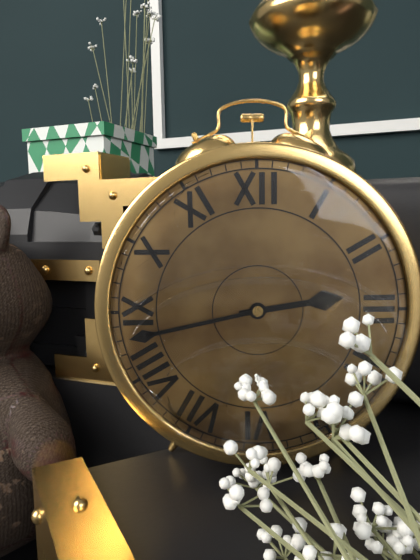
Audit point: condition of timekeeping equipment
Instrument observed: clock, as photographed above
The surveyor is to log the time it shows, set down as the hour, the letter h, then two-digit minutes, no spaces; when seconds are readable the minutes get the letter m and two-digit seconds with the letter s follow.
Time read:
2h43
